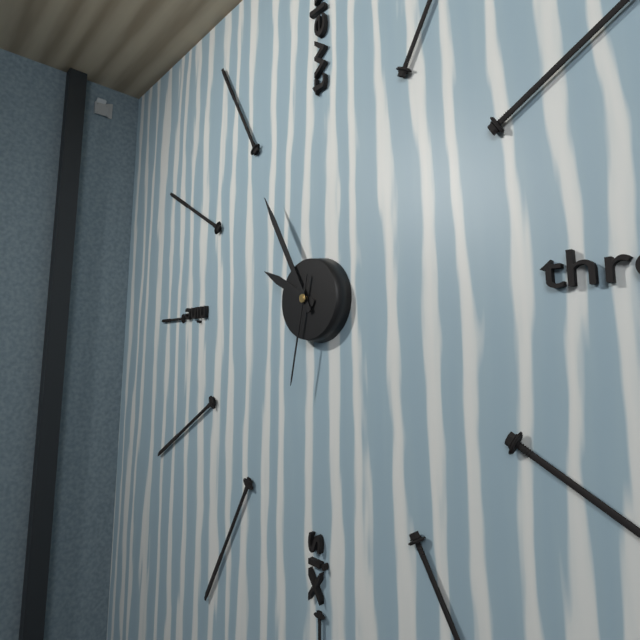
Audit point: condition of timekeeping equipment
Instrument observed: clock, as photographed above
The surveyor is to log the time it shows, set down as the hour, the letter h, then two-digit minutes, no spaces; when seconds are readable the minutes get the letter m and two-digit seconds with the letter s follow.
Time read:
9h55m32s
